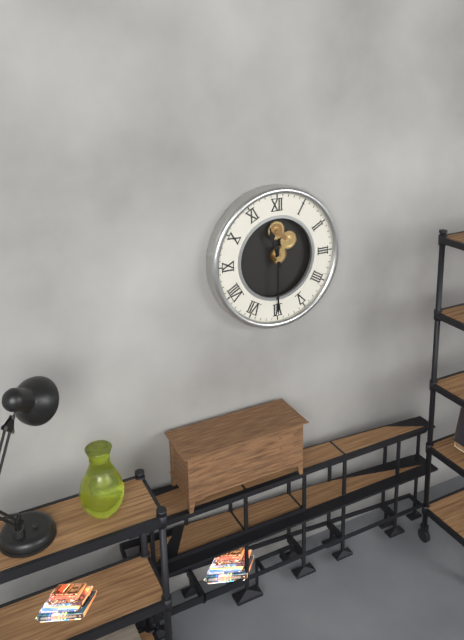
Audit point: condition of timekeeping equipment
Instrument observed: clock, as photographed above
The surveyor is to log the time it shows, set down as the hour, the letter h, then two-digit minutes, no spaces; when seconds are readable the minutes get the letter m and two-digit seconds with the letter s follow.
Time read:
11h30
